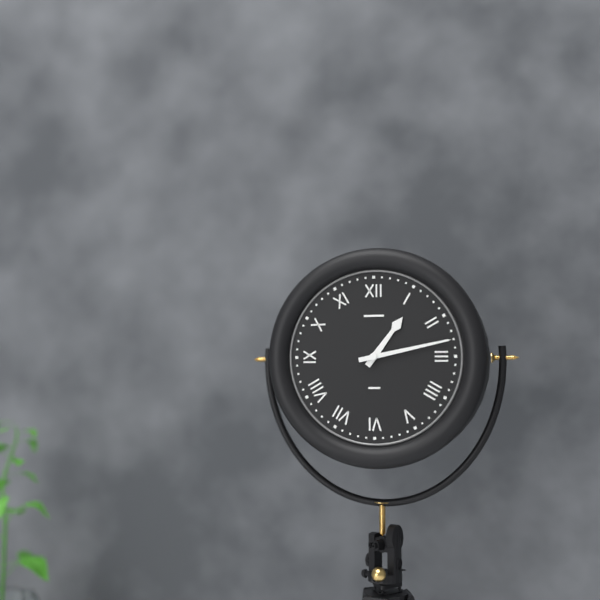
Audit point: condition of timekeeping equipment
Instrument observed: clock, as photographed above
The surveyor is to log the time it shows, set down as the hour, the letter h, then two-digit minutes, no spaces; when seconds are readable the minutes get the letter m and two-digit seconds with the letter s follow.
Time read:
1h13
